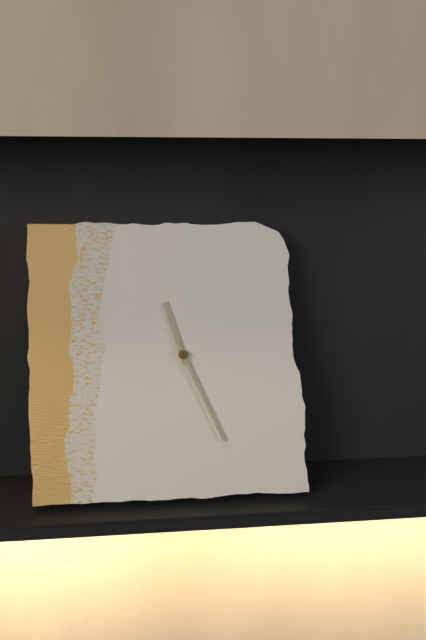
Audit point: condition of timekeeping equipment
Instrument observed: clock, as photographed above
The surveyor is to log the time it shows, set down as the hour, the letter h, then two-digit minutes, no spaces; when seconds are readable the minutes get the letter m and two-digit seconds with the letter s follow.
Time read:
11h26
